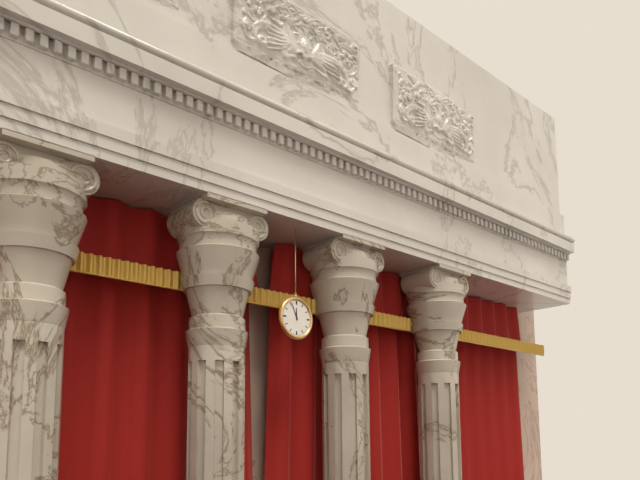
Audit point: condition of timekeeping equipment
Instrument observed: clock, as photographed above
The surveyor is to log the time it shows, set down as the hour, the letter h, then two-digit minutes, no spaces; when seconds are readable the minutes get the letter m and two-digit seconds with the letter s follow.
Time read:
11h56
